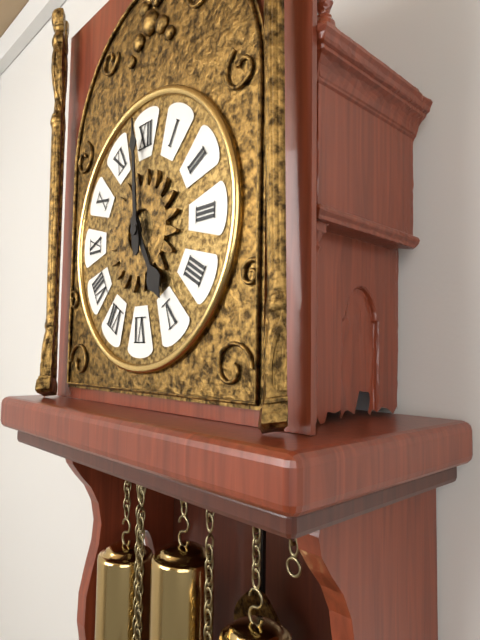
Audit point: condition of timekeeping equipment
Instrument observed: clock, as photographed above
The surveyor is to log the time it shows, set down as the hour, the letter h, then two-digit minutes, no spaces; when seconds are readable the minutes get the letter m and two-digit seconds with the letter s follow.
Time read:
4h59
